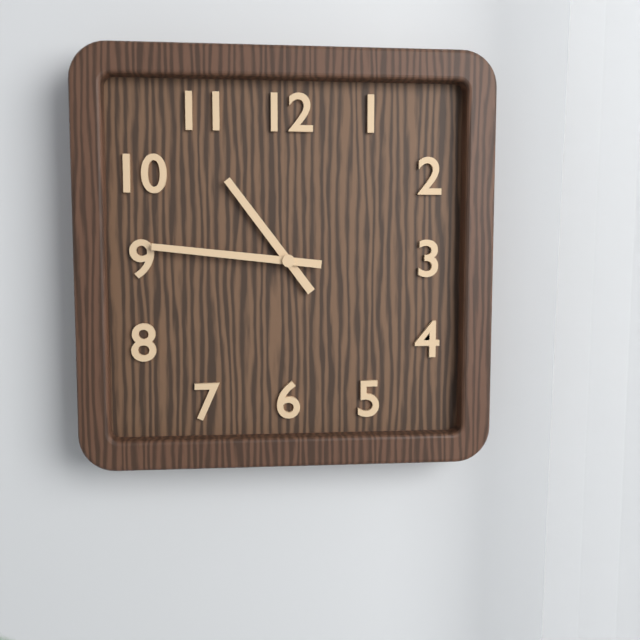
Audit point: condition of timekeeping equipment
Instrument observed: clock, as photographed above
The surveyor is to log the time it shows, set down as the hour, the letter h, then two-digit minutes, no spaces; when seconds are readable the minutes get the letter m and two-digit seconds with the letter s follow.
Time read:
10h46
